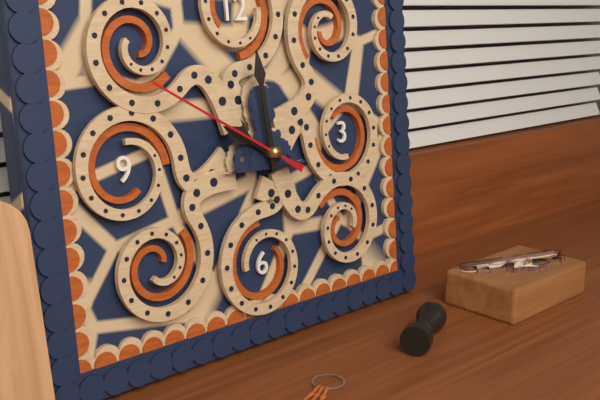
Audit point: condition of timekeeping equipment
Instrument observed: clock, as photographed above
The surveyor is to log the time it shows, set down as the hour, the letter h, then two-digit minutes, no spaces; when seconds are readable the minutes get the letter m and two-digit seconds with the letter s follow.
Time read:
9h59m50s
